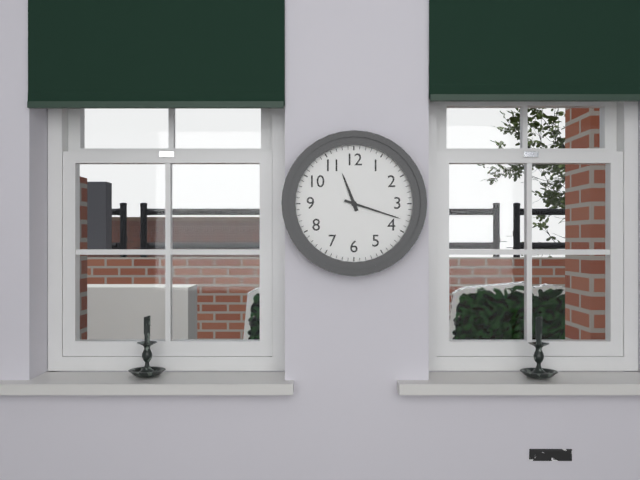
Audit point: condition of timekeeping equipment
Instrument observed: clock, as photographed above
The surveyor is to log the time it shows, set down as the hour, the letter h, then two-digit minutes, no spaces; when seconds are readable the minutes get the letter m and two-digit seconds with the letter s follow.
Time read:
11h18
